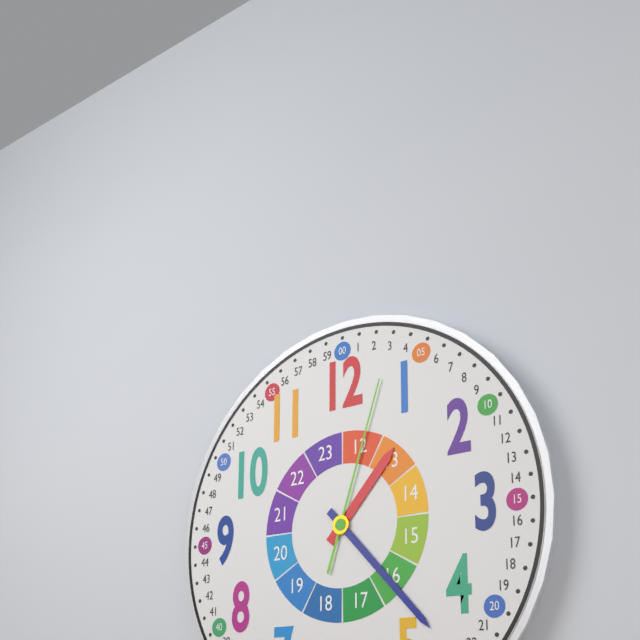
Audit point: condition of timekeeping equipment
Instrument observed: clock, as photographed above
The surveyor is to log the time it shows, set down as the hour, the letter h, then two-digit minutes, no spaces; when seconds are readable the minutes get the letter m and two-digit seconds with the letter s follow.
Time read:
1h23m03s
